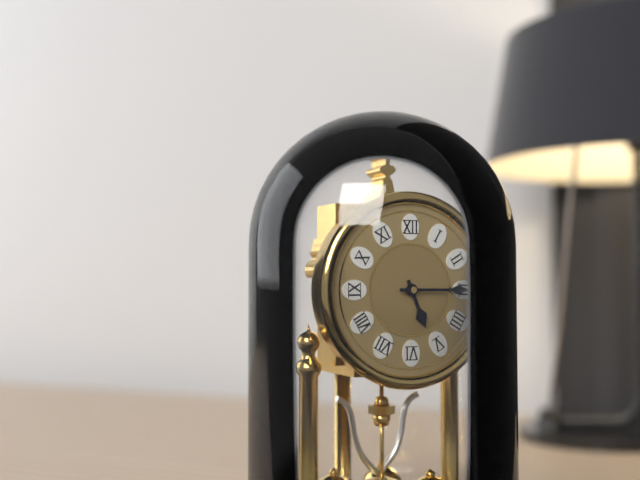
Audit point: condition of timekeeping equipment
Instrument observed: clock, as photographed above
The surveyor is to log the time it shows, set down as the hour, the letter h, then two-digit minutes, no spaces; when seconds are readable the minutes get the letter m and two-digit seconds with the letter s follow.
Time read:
5h15
